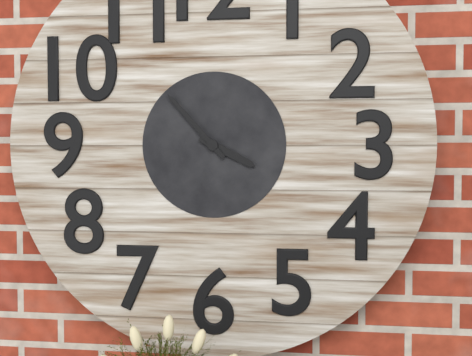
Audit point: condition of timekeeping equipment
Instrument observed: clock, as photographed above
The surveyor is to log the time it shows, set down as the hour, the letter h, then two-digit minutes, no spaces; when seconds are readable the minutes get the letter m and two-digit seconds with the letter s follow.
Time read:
3h53
